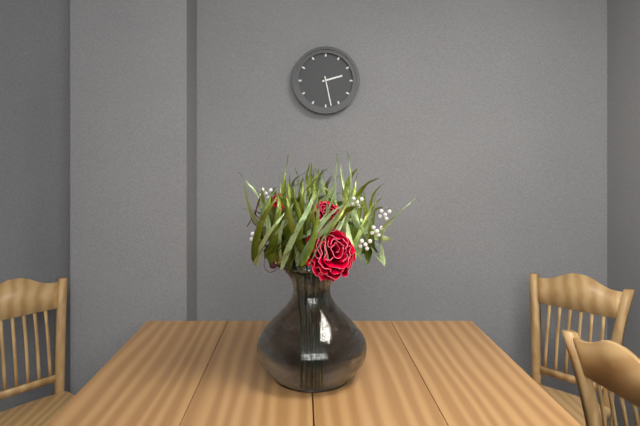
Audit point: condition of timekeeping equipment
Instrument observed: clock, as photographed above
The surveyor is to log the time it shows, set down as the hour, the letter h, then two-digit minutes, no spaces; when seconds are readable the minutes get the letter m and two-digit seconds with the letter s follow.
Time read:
2h28
